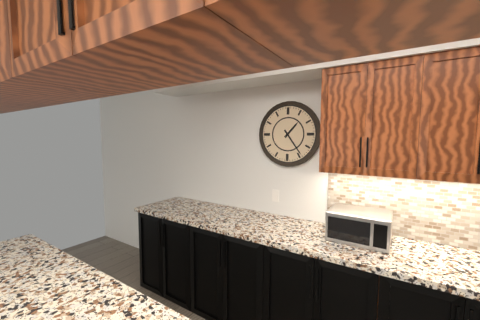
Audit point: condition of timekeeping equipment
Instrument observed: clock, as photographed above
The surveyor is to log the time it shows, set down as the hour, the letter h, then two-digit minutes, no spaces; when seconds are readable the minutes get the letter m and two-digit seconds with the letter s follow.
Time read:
1h24
